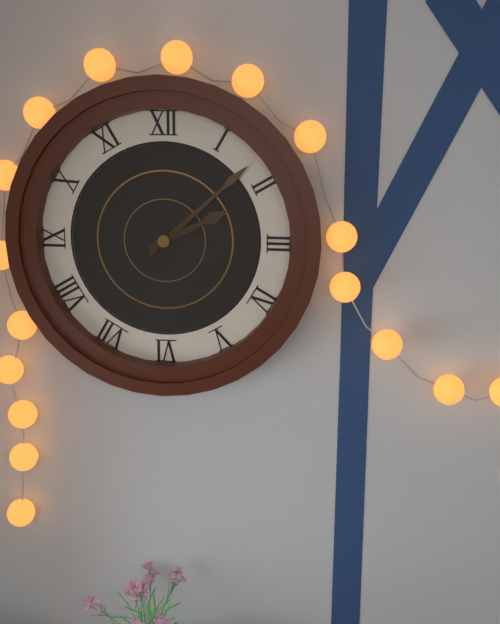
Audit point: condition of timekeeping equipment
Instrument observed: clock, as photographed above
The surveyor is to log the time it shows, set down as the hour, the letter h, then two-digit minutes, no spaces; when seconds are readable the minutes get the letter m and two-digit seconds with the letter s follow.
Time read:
2h08
